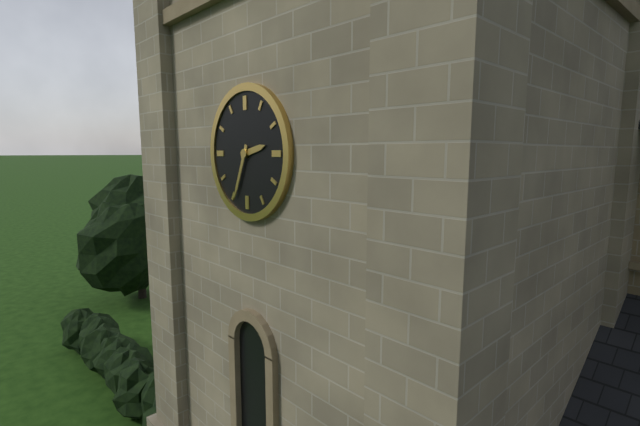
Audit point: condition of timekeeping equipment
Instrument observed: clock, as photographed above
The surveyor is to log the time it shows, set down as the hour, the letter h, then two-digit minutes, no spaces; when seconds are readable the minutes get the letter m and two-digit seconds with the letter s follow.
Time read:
2h34
